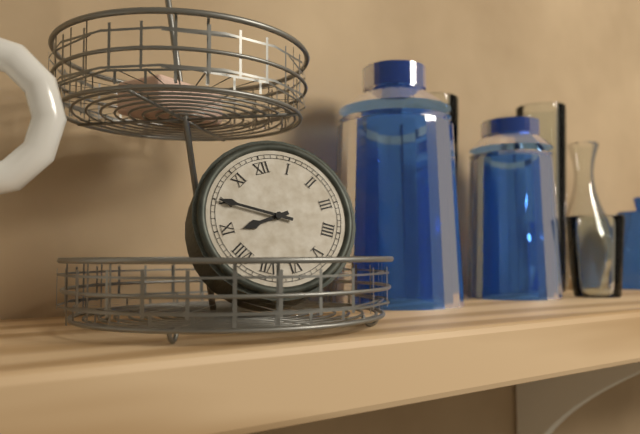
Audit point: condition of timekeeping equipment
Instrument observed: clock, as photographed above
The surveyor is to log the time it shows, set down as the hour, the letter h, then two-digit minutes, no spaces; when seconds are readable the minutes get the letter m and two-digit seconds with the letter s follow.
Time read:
8h50
